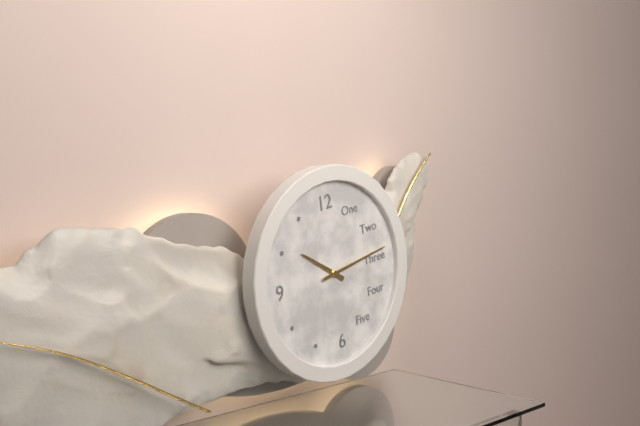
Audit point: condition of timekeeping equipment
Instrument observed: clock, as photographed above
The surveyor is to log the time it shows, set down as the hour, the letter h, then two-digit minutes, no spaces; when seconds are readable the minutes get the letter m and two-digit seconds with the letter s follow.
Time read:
10h14
